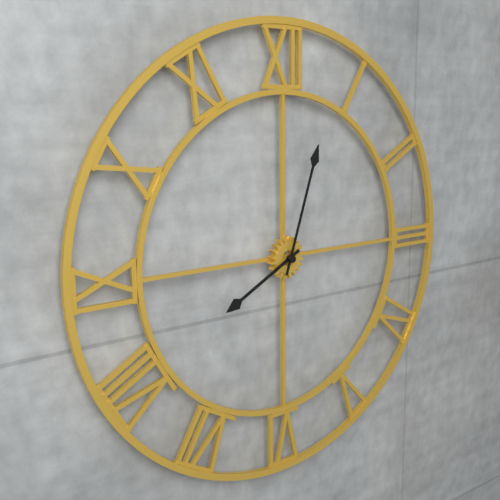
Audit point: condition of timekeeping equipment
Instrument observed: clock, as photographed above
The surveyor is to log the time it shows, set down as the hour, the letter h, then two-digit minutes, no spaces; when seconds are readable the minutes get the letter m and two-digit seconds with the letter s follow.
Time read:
8h03
